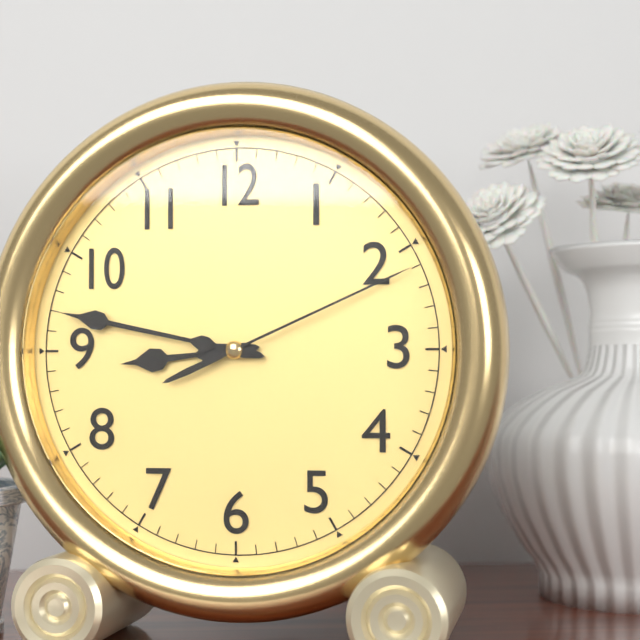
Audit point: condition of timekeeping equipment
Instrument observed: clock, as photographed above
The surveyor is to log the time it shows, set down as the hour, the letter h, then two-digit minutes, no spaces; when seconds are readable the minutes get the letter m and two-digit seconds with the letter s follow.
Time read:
8h47m11s
